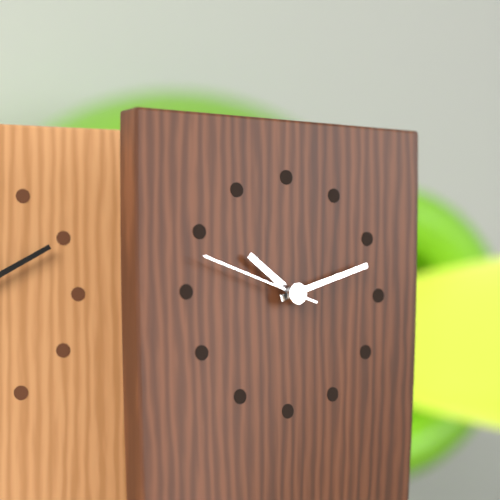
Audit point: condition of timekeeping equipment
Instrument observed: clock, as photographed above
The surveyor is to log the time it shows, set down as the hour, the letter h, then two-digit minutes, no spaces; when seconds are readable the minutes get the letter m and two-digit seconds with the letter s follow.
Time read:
10h12m48s
